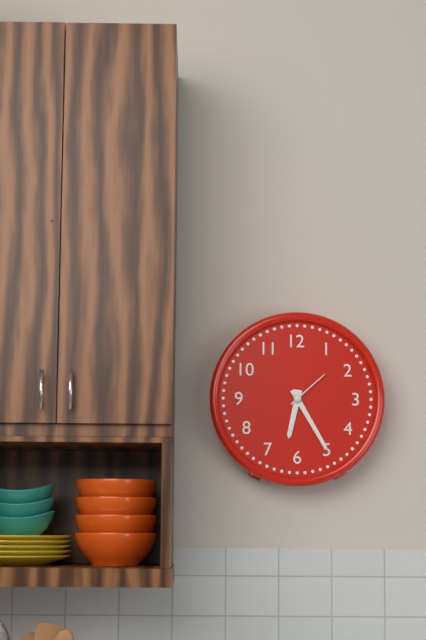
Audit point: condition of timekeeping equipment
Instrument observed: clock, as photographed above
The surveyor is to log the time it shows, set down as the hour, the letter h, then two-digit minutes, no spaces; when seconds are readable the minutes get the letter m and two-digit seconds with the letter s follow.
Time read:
6h25
